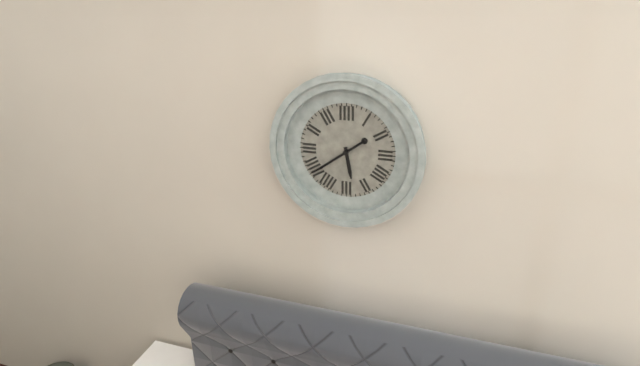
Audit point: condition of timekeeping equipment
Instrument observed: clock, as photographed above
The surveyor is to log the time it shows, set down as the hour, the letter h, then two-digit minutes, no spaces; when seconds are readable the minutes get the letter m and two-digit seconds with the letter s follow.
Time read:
5h39
